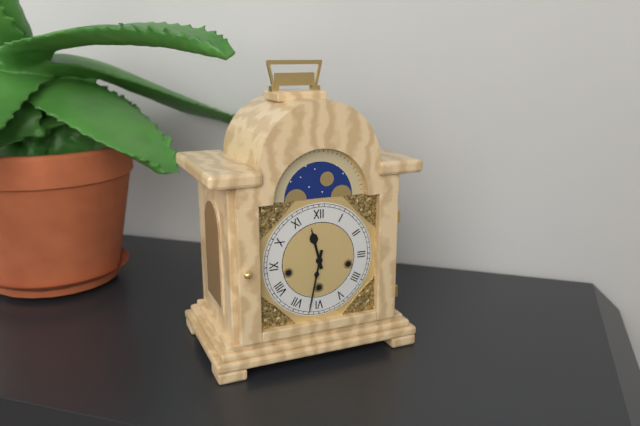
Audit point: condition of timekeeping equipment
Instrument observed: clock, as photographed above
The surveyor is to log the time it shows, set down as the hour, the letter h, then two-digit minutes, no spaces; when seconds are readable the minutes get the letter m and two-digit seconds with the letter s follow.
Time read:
11h32
